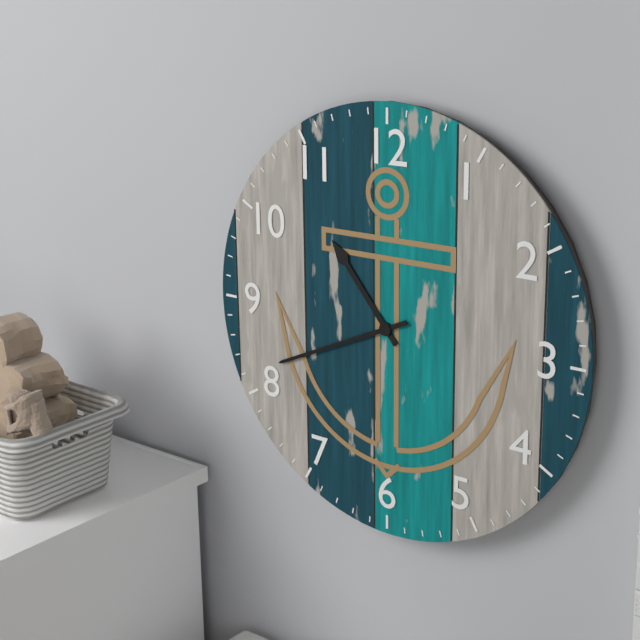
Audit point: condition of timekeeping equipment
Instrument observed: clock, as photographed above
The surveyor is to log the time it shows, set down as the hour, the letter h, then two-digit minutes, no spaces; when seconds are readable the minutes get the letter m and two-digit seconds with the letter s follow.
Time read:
10h41
